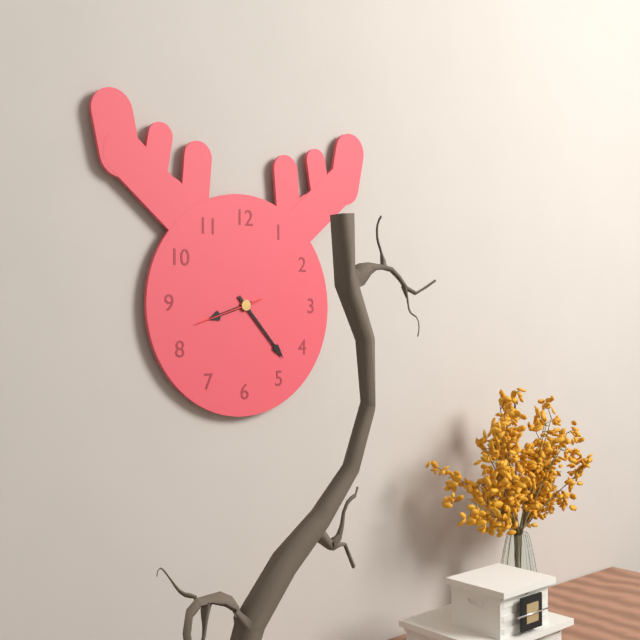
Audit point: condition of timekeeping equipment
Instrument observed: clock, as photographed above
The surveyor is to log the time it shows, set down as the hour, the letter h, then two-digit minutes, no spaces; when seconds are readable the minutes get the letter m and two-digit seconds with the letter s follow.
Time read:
8h23m42s
